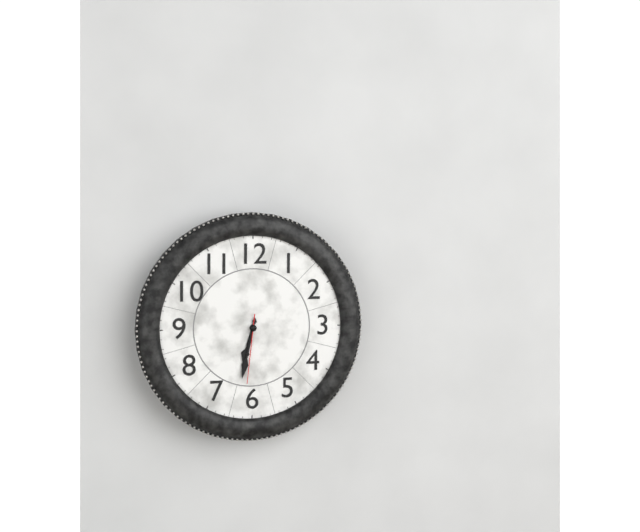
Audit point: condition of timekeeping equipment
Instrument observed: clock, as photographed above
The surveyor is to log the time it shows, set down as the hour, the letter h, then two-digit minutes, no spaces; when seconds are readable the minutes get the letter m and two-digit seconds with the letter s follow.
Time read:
6h32m31s
